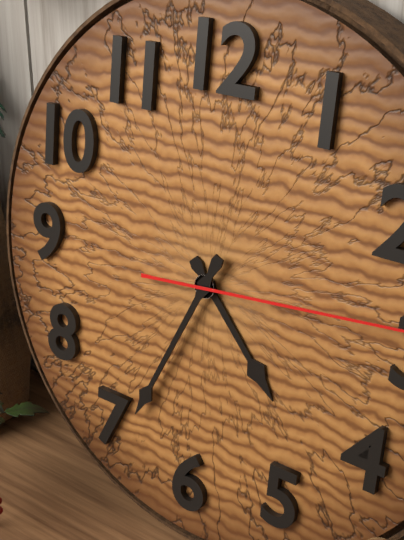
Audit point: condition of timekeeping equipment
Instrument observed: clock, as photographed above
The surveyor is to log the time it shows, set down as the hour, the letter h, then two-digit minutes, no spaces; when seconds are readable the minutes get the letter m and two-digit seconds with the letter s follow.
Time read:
4h34
